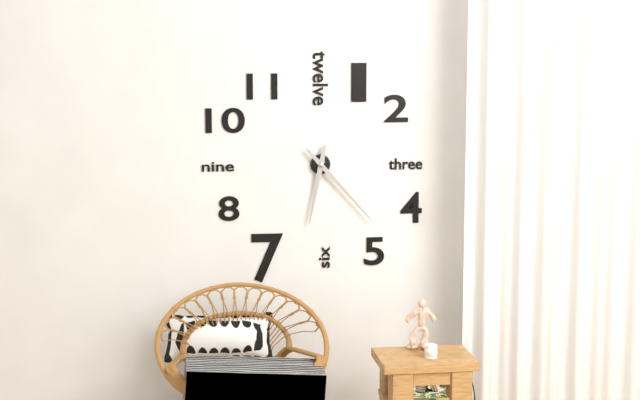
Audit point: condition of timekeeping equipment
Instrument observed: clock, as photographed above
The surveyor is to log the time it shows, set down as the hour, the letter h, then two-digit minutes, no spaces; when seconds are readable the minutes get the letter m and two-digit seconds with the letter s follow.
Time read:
6h23
